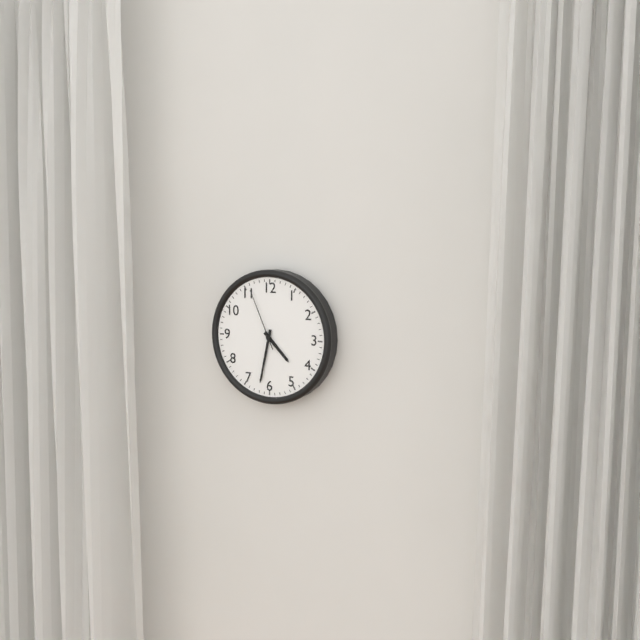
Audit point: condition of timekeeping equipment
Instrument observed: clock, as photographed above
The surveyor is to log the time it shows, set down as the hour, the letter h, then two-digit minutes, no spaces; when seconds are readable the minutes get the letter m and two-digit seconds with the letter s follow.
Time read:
4h32m56s
